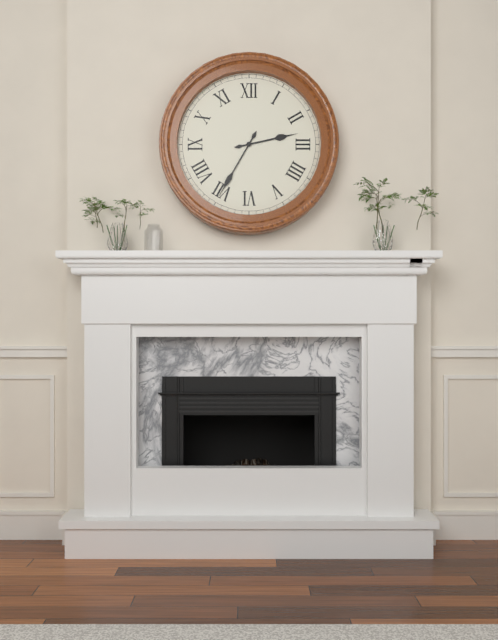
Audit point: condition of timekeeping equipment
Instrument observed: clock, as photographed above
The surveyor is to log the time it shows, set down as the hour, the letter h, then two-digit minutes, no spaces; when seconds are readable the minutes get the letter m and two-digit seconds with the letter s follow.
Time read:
2h35
